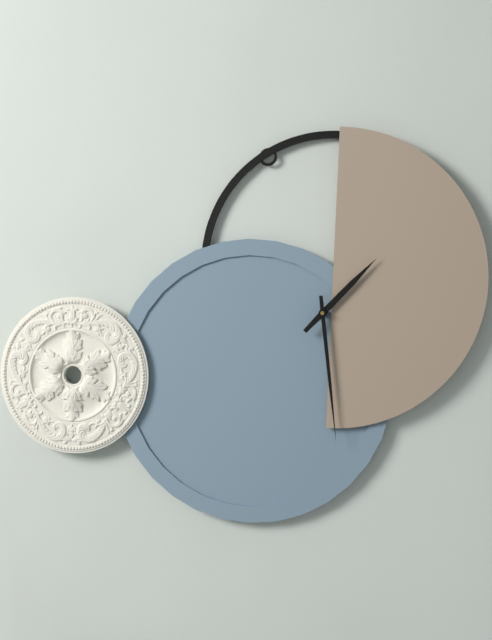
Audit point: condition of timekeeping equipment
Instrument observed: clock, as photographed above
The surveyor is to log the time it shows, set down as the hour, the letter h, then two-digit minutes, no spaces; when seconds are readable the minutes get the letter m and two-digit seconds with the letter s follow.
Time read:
1h29
